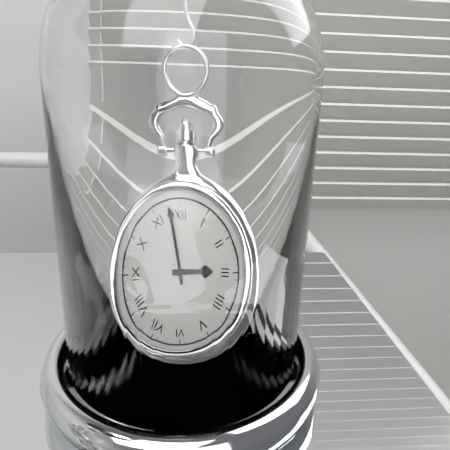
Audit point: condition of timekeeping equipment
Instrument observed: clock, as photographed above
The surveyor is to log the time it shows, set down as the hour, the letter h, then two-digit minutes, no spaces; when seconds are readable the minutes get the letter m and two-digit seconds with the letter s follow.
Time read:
2h58
